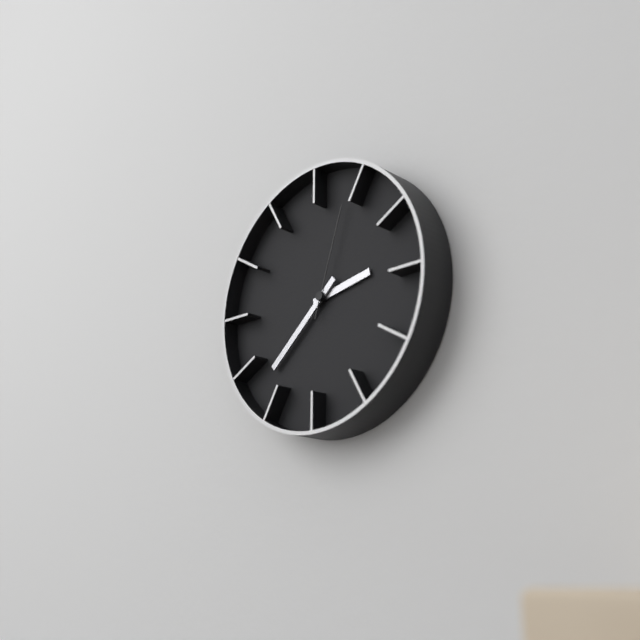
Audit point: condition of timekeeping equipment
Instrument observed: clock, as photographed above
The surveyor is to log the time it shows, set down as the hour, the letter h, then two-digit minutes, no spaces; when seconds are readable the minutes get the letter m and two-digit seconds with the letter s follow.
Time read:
2h38m03s
